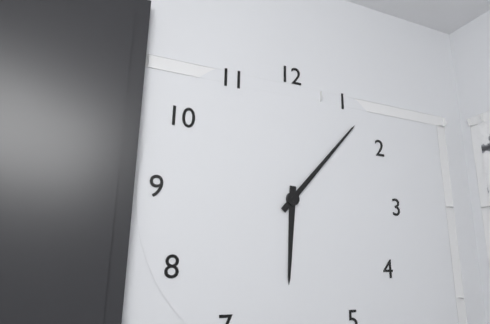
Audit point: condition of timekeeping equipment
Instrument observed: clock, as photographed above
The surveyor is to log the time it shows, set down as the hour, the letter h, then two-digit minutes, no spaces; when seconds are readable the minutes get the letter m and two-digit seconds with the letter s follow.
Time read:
6h07
